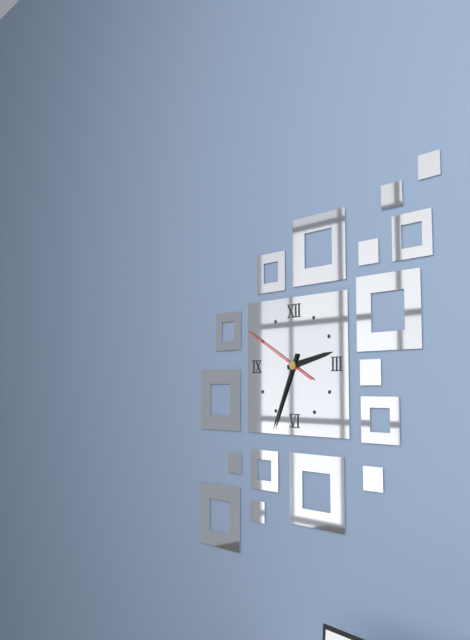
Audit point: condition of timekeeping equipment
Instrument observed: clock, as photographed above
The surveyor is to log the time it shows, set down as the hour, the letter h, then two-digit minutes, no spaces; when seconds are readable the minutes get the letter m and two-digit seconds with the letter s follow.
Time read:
2h34m50s
